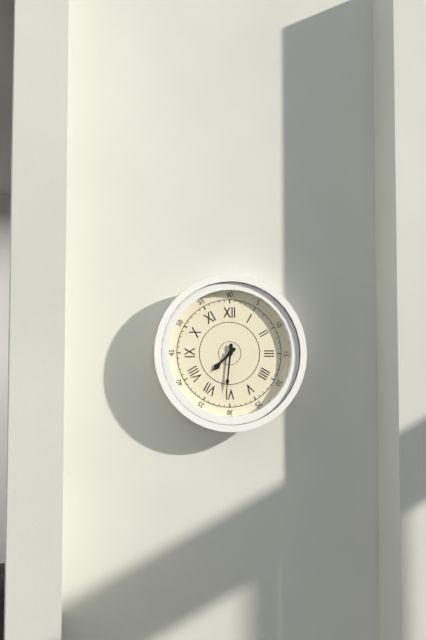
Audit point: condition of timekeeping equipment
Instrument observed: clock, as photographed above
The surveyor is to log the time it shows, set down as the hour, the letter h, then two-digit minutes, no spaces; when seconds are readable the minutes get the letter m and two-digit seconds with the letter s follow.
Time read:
7h31
